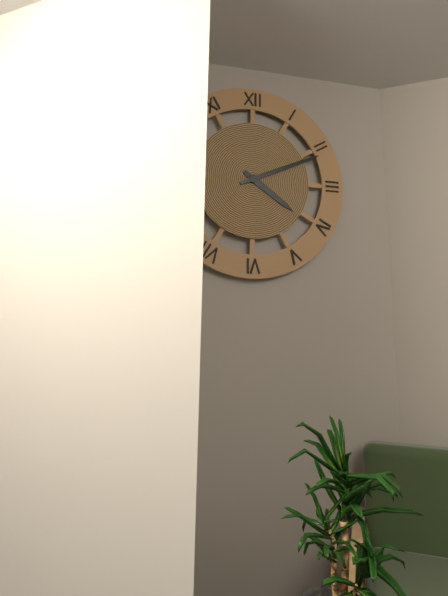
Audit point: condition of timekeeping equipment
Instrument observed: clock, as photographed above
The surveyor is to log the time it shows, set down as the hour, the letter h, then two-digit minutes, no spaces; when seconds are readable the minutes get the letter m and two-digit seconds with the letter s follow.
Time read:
4h11
